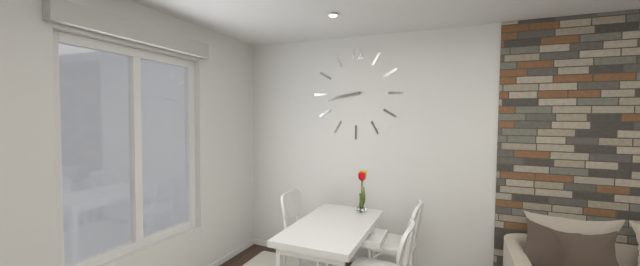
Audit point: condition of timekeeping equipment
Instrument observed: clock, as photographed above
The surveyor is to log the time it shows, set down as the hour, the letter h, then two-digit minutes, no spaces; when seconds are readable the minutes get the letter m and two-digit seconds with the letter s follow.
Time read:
8h43
